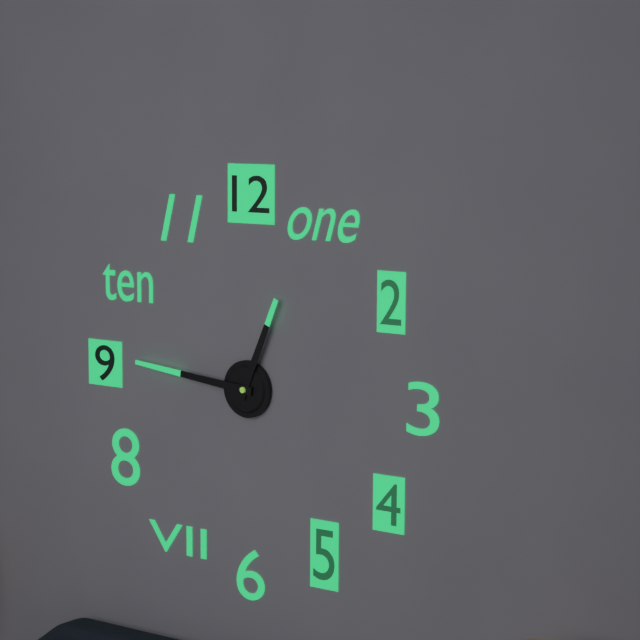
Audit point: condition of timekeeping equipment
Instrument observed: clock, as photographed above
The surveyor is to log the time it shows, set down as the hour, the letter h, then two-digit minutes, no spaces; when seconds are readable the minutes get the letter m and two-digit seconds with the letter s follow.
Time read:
12h46
